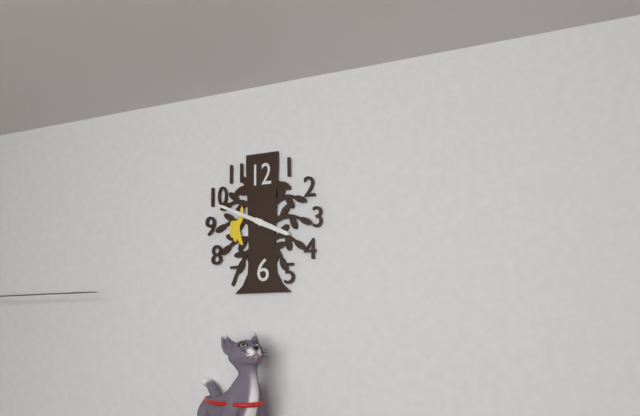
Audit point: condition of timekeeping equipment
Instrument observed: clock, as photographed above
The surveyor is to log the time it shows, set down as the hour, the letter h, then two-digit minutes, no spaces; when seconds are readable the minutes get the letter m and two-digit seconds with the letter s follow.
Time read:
3h49
